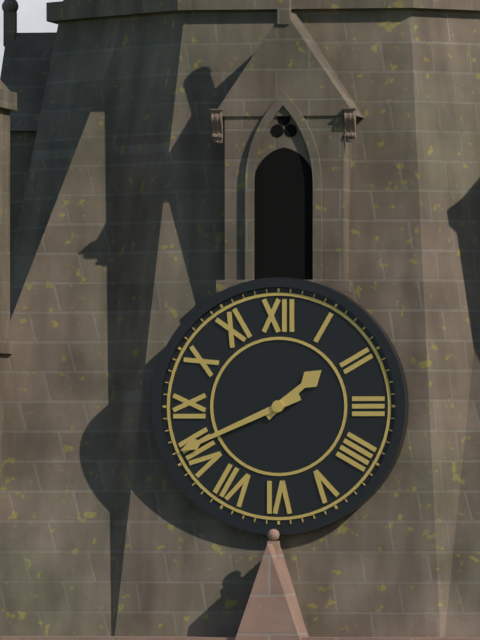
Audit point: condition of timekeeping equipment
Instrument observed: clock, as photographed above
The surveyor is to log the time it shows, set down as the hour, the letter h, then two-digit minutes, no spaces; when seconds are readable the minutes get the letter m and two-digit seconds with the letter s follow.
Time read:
1h41
